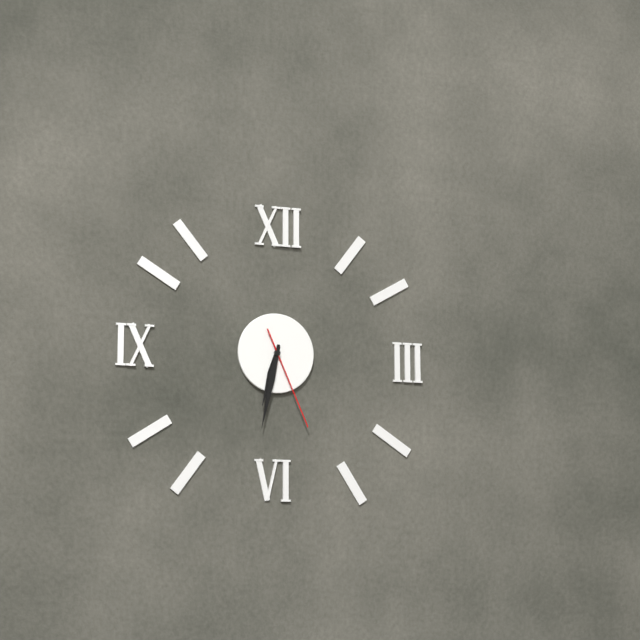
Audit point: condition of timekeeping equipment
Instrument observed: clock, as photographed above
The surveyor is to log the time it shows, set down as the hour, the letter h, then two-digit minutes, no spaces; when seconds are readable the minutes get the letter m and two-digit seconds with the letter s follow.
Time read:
6h32m26s
